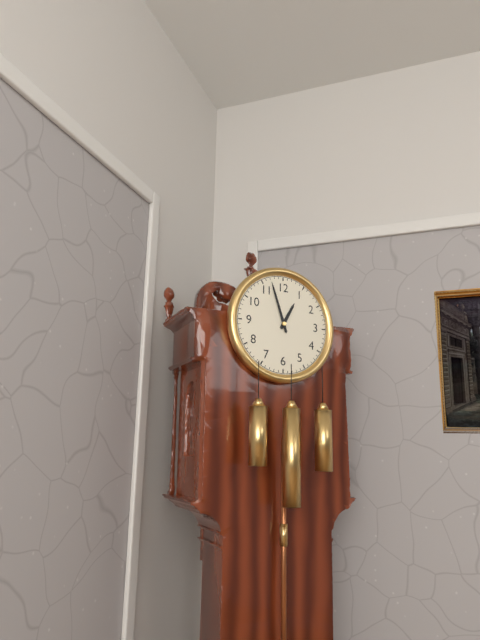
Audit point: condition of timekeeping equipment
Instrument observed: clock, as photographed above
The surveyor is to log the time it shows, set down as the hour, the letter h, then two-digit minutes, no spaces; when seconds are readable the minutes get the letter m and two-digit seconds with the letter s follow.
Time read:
12h57
